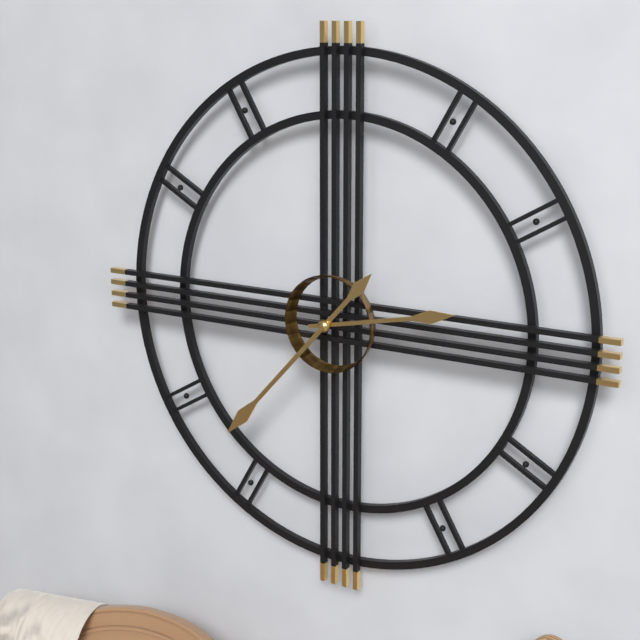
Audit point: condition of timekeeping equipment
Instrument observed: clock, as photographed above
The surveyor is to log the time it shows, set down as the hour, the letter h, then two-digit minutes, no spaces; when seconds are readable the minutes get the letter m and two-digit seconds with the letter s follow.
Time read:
2h37
